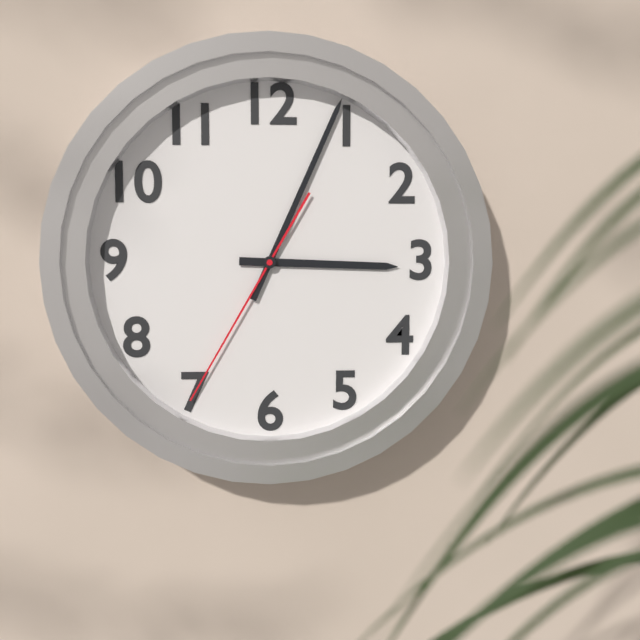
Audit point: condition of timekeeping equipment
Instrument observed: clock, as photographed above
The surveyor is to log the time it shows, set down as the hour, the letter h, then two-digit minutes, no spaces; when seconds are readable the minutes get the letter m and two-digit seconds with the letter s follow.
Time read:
3h04m35s
